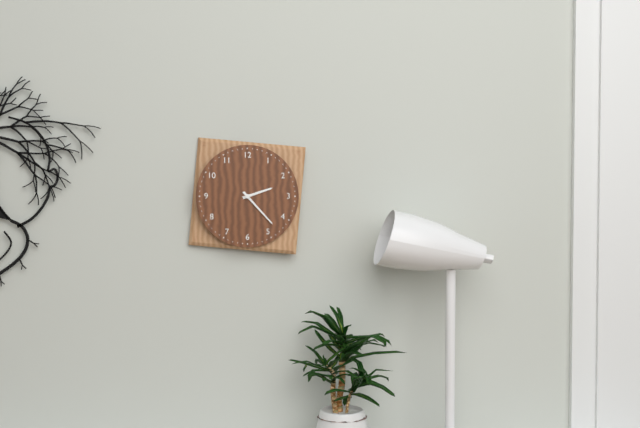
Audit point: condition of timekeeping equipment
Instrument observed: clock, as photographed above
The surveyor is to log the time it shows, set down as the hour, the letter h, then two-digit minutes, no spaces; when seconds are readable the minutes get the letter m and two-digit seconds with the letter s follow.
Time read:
2h23
